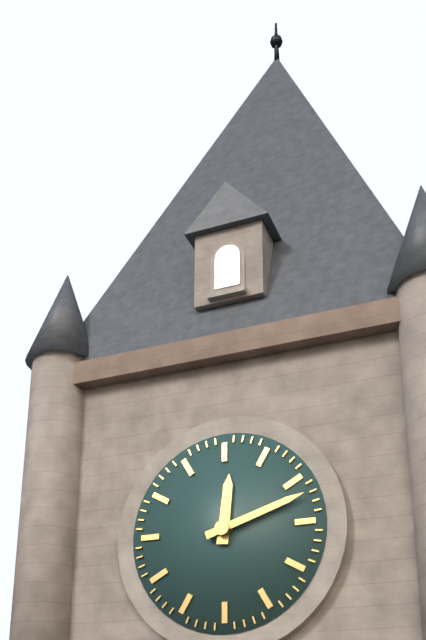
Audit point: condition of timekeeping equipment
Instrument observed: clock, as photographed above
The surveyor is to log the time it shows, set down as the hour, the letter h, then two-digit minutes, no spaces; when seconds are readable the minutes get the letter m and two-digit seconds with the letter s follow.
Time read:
12h12
